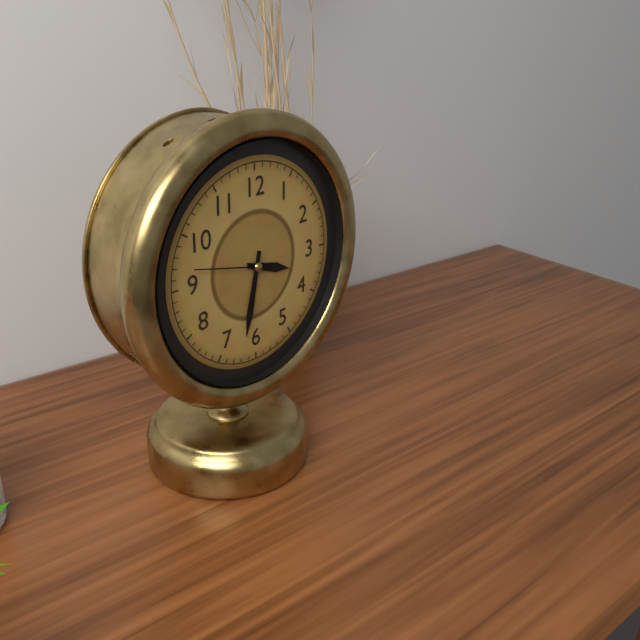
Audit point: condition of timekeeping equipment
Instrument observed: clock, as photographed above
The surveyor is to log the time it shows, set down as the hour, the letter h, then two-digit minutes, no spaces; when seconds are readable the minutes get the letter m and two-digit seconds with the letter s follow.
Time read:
3h32m47s
